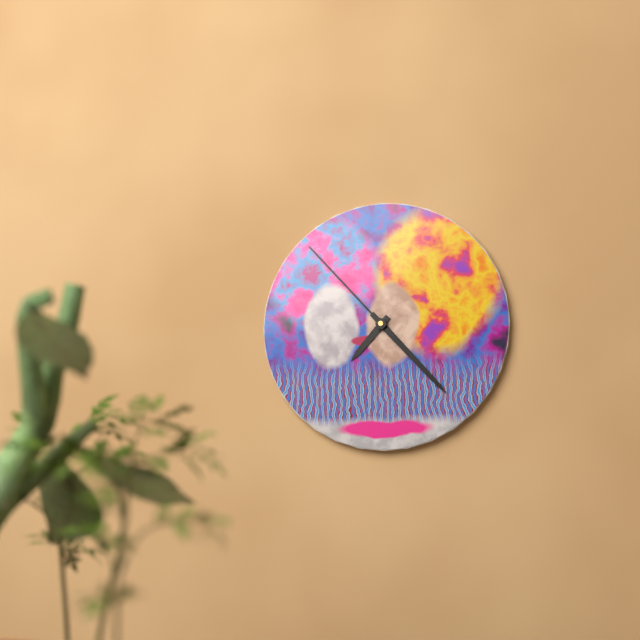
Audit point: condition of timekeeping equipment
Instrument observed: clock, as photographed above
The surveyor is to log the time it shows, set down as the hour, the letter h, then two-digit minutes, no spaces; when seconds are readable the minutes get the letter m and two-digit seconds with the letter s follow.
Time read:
7h23m53s
